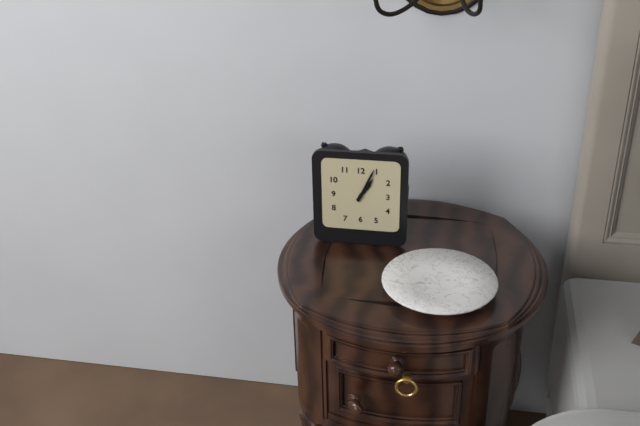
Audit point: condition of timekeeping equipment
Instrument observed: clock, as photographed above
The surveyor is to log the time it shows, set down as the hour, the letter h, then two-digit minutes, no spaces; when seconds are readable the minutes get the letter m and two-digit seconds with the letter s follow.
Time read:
1h04
